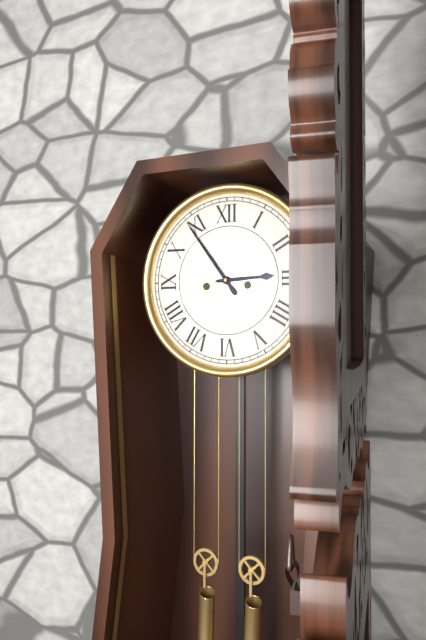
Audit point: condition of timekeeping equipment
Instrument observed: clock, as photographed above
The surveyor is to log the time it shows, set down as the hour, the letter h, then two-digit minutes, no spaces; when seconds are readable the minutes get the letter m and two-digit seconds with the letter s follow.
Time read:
2h54
